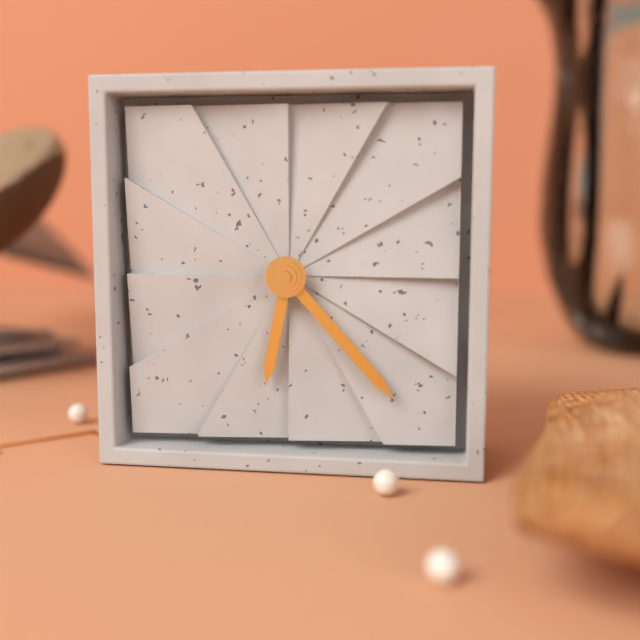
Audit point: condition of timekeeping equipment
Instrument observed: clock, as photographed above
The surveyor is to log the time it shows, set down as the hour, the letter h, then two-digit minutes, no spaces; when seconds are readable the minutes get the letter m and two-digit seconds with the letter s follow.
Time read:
6h23
